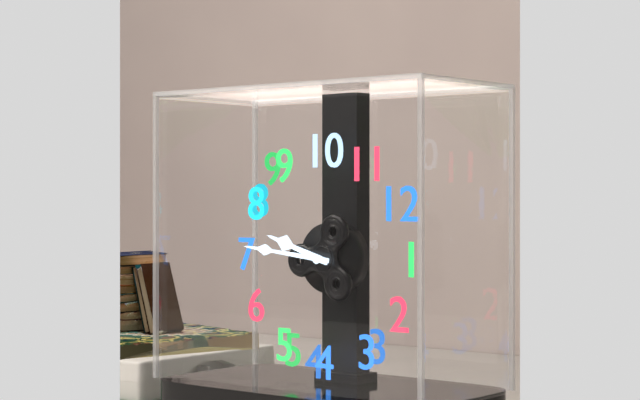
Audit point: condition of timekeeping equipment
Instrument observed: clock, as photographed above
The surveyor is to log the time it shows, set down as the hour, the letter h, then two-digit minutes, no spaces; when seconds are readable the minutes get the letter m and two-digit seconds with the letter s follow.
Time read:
7h36
